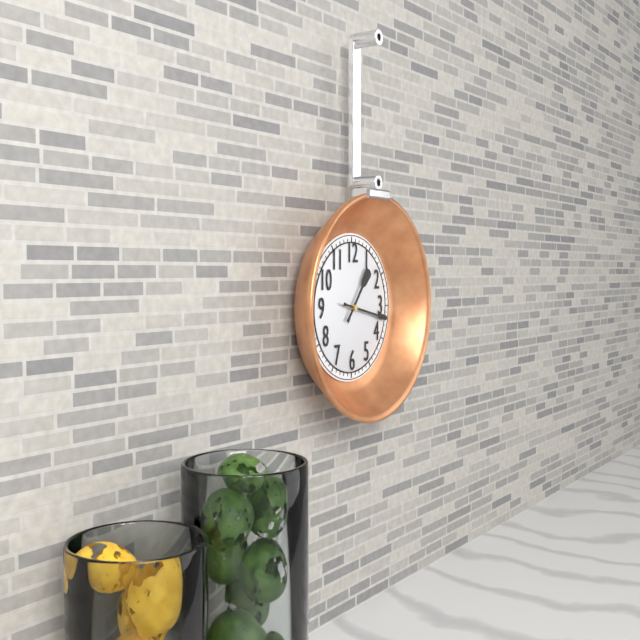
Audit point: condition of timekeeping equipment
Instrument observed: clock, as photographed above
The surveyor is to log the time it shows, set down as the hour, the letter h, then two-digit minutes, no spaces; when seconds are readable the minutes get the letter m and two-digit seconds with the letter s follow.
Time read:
1h17
